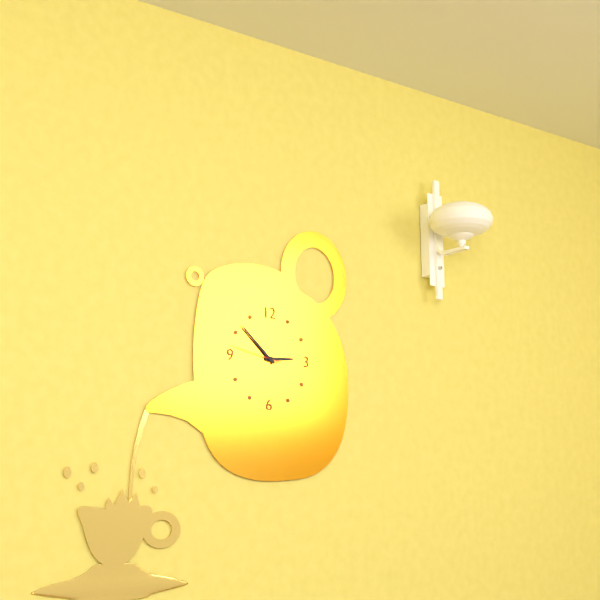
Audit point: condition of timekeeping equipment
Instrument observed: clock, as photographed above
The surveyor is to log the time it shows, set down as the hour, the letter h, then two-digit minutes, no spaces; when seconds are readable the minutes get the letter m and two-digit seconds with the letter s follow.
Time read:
2h52m47s
